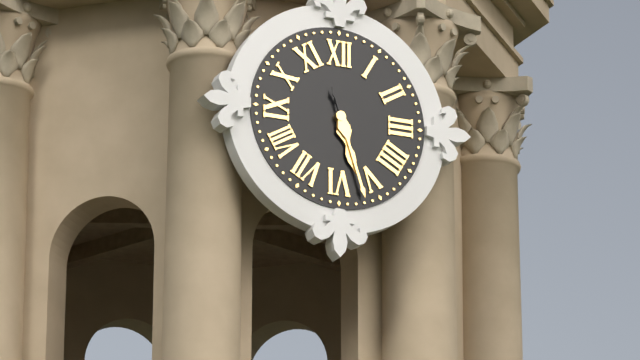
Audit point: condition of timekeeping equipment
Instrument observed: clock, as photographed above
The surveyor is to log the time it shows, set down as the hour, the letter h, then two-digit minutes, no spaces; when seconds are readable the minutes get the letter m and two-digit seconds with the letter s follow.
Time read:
5h27
